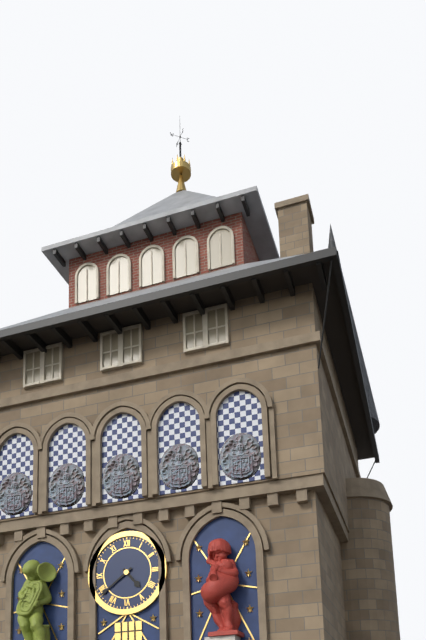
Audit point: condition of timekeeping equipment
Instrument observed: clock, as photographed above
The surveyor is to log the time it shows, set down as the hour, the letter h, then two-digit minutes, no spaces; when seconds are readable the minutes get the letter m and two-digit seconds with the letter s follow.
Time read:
4h39
